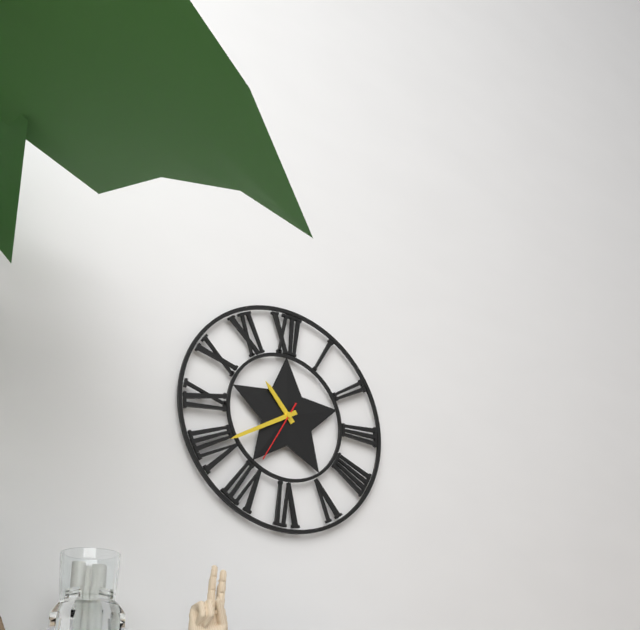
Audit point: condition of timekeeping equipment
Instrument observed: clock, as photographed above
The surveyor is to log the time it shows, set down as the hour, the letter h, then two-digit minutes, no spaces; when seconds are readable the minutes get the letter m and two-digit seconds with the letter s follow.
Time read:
10h40m35s
